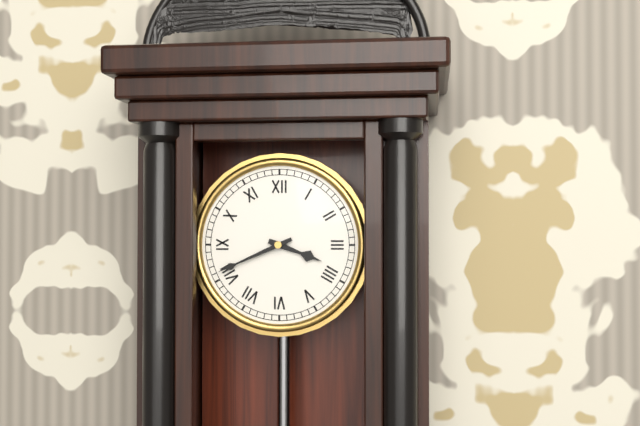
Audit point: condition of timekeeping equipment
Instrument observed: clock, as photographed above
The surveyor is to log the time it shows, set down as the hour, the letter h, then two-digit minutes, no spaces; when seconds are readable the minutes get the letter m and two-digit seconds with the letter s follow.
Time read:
3h41
